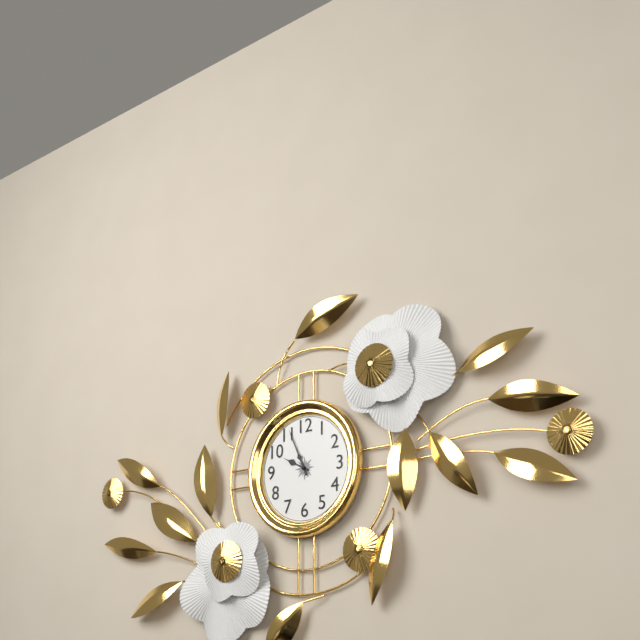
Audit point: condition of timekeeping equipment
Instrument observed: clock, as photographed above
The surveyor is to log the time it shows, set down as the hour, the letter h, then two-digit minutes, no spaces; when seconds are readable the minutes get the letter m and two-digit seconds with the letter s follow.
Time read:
9h56
